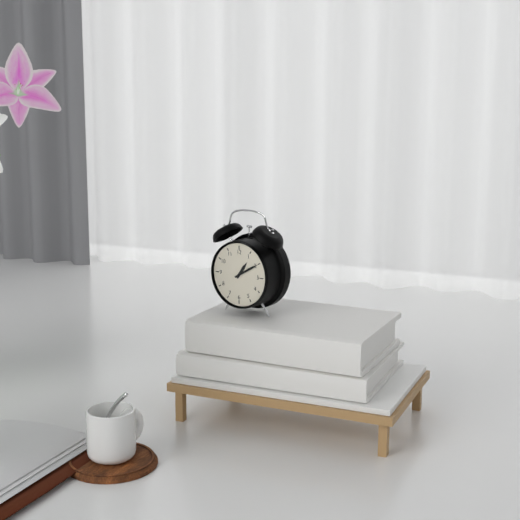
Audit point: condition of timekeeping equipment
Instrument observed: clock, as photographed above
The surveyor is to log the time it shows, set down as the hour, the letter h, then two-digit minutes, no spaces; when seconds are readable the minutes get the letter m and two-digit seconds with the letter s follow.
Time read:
1h10
